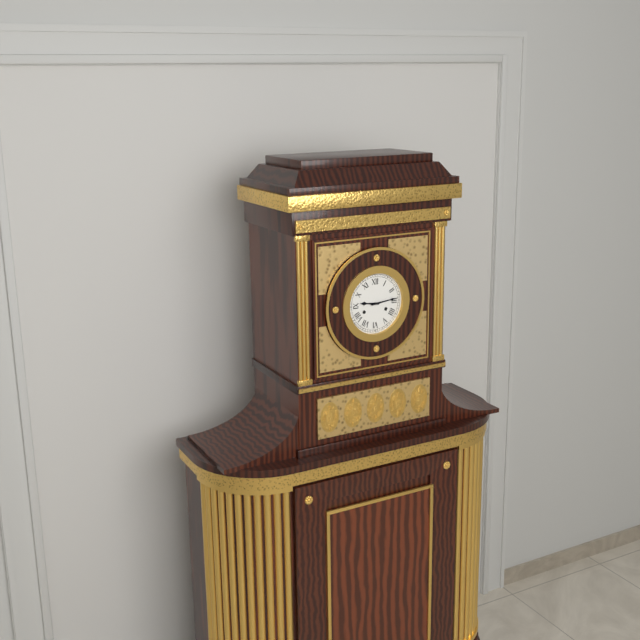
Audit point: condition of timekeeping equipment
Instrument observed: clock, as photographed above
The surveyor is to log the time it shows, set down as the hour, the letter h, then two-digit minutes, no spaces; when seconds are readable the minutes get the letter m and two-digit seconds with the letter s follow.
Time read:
9h14
